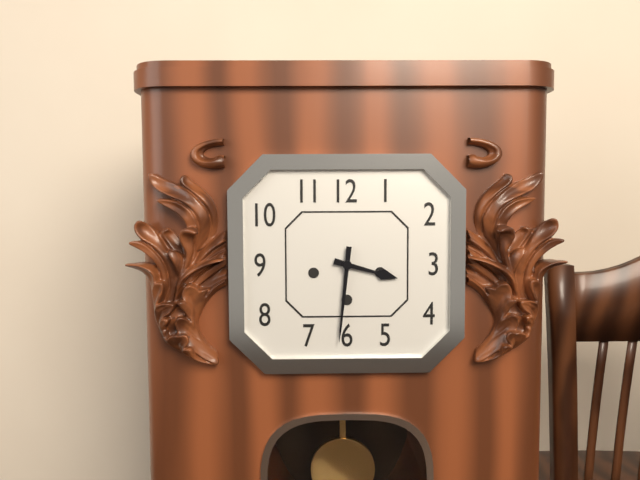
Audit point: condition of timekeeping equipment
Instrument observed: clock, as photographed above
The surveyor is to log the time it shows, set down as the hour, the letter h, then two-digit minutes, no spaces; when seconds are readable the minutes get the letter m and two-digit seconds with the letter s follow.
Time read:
3h31
